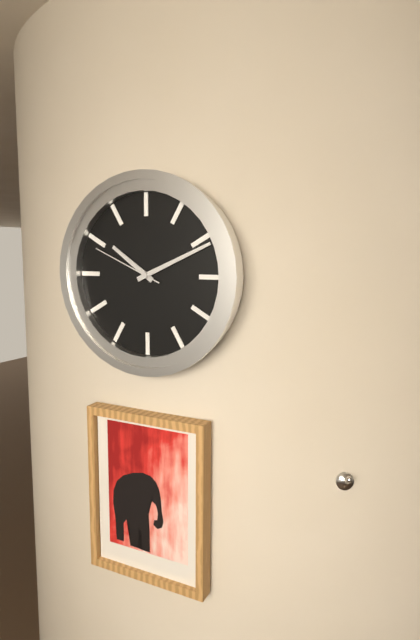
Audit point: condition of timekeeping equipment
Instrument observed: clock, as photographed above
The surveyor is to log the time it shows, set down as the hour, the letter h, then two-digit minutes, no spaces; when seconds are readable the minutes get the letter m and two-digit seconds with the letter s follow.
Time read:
10h11m49s
